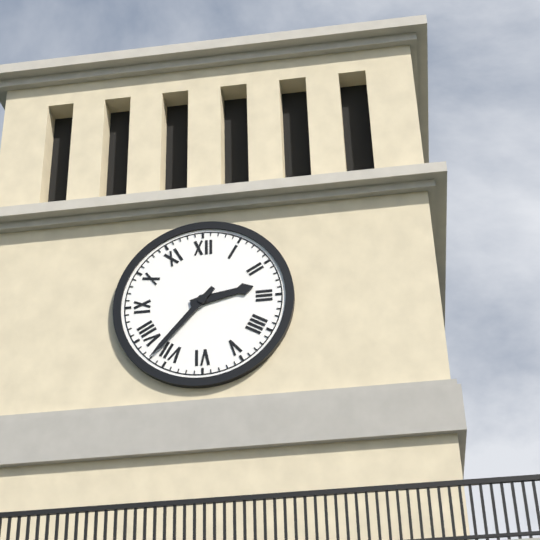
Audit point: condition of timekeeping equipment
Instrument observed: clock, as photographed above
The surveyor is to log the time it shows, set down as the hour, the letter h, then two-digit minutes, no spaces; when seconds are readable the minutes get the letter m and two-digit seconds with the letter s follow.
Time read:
2h37
